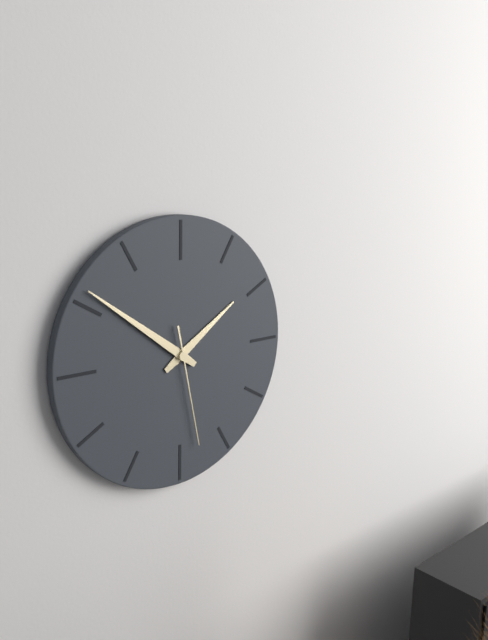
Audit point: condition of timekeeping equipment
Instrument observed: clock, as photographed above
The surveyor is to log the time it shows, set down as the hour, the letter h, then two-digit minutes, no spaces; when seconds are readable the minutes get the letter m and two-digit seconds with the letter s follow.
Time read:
1h51m28s
